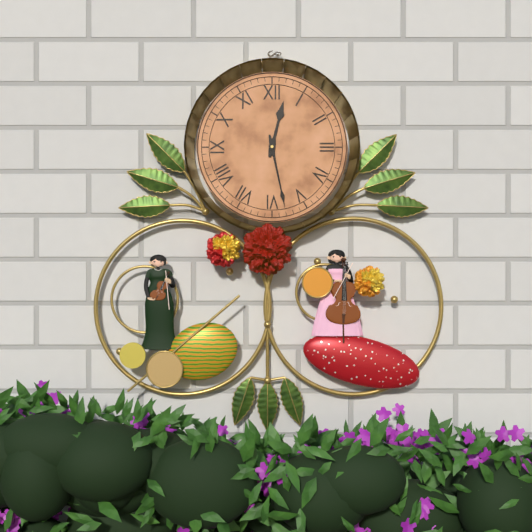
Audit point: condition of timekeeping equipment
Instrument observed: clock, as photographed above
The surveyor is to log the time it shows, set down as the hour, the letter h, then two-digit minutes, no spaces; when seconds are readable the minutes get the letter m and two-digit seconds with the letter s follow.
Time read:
12h28
